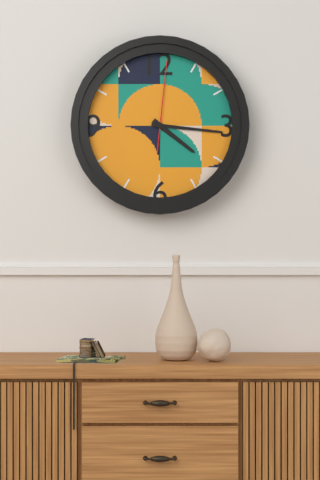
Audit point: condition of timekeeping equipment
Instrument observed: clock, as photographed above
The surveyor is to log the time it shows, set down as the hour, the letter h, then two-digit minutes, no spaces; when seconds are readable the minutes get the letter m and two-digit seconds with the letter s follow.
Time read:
4h16m01s
